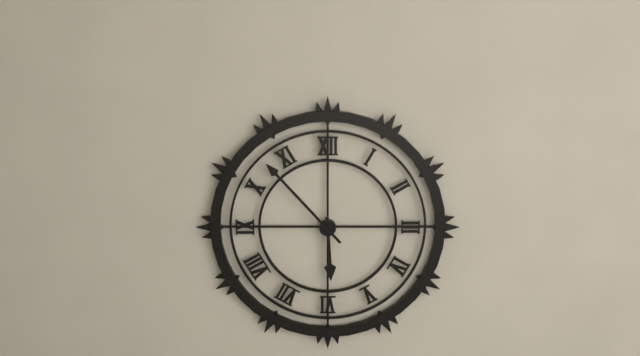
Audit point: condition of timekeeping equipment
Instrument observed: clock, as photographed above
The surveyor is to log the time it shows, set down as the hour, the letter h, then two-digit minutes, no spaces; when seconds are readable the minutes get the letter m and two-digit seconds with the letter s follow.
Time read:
5h53
